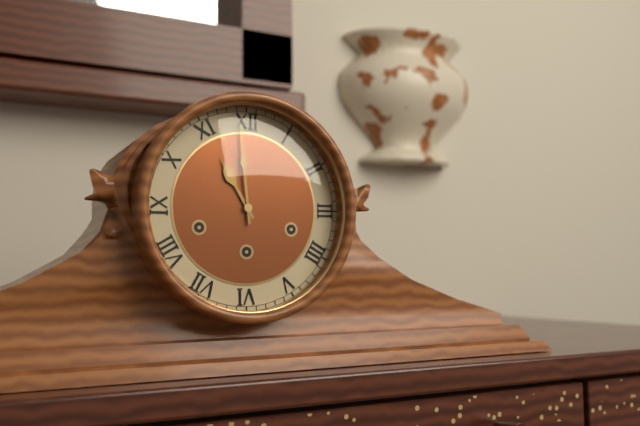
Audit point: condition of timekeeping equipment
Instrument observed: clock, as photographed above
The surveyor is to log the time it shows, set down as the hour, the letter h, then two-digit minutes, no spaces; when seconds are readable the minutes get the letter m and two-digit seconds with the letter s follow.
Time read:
10h59
